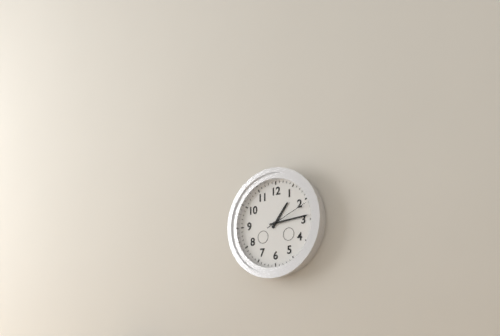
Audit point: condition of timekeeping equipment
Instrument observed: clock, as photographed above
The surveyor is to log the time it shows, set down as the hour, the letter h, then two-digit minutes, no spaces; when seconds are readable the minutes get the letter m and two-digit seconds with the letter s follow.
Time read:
1h14
